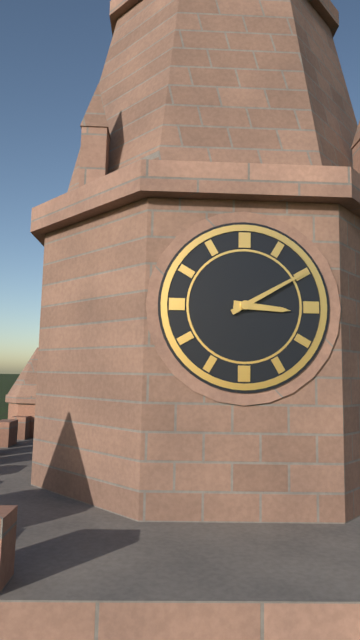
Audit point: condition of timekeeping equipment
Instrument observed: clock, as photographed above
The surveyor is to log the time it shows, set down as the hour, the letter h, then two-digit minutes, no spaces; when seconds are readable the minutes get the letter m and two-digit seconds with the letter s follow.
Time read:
3h10
